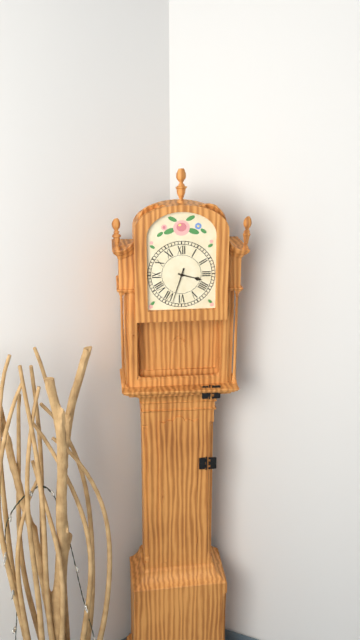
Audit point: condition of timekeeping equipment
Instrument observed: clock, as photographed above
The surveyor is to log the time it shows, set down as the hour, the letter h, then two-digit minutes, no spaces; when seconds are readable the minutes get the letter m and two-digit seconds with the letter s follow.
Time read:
3h33
